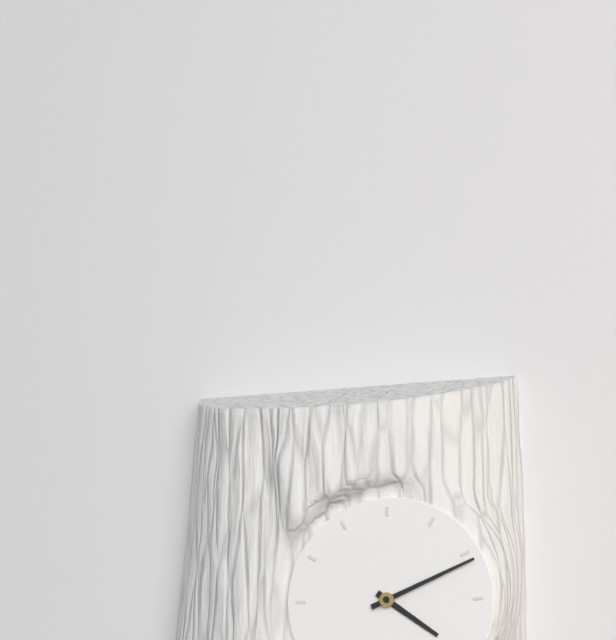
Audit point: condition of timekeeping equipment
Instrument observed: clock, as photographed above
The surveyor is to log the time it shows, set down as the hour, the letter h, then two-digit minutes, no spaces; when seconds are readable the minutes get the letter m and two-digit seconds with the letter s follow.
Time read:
4h11
